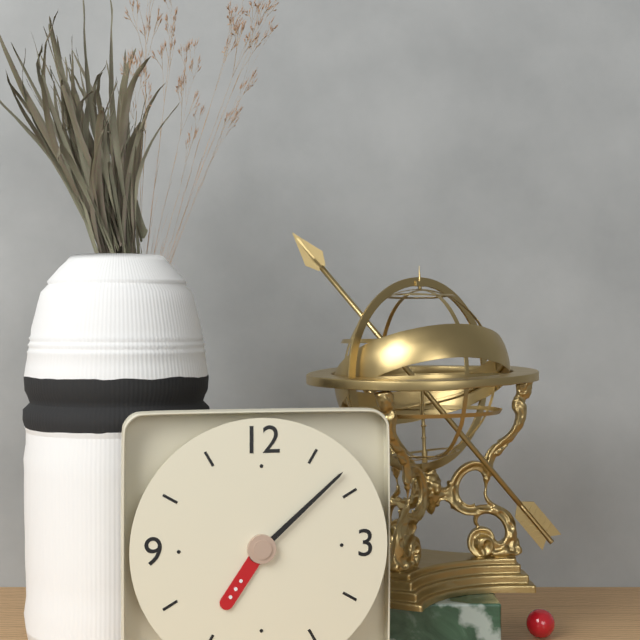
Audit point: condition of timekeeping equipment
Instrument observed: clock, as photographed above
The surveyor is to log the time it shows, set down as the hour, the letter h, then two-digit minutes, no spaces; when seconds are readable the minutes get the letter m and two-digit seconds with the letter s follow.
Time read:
7h08
